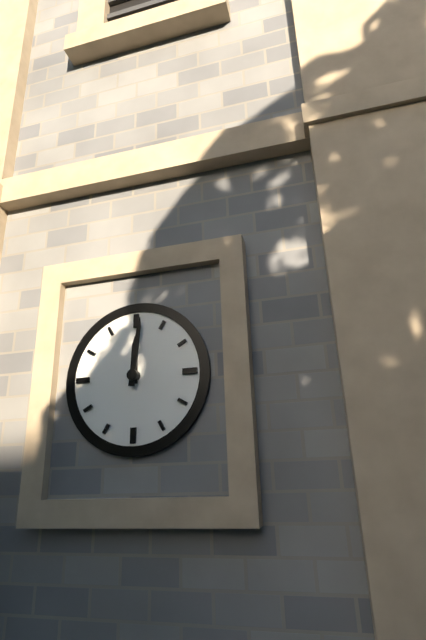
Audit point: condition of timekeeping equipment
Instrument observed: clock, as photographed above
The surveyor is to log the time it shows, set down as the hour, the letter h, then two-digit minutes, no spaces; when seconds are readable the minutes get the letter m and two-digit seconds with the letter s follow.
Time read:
12h01
